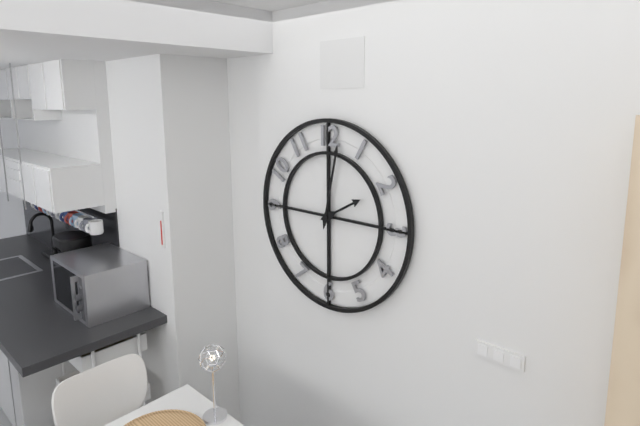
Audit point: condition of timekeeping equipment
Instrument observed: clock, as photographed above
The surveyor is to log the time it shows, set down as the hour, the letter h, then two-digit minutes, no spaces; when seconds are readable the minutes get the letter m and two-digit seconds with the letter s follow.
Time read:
2h02
